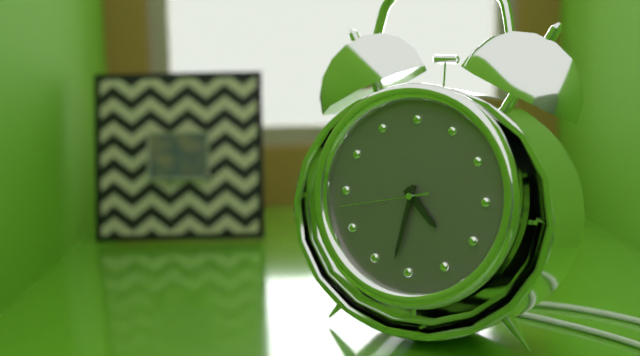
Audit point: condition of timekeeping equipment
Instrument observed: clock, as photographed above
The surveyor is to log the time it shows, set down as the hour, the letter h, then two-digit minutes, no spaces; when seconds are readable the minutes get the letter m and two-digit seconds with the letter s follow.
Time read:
4h32m43s
